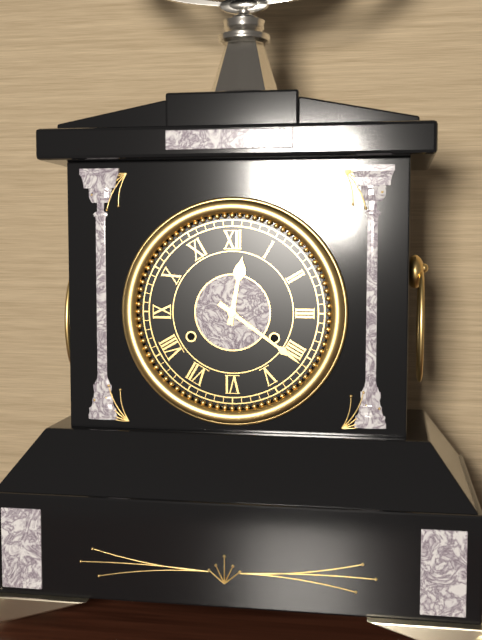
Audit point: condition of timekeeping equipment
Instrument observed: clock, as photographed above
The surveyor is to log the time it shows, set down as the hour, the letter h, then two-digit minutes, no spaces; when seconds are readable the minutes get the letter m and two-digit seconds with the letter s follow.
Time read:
12h21
